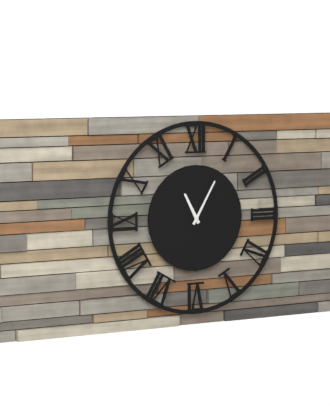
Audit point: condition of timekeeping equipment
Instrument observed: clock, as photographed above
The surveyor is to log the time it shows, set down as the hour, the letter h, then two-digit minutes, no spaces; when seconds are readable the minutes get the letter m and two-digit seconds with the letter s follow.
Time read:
11h05
